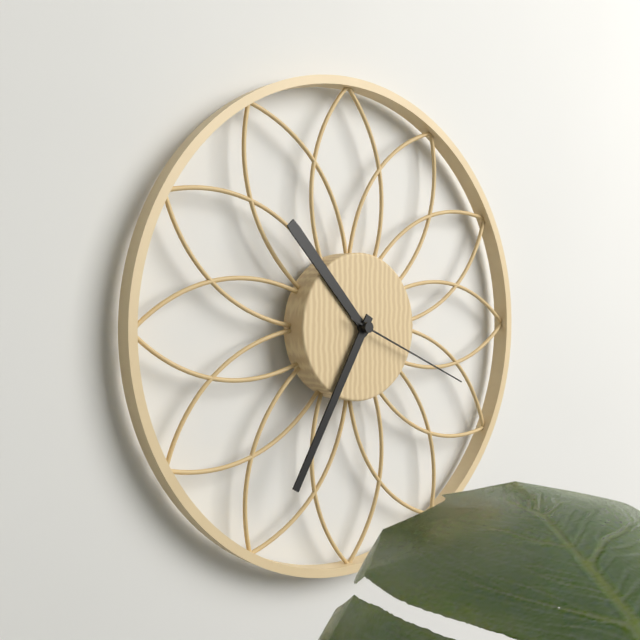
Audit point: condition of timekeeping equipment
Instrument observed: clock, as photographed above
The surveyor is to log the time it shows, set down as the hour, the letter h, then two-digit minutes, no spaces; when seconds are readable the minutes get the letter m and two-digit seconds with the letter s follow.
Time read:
10h35m19s
